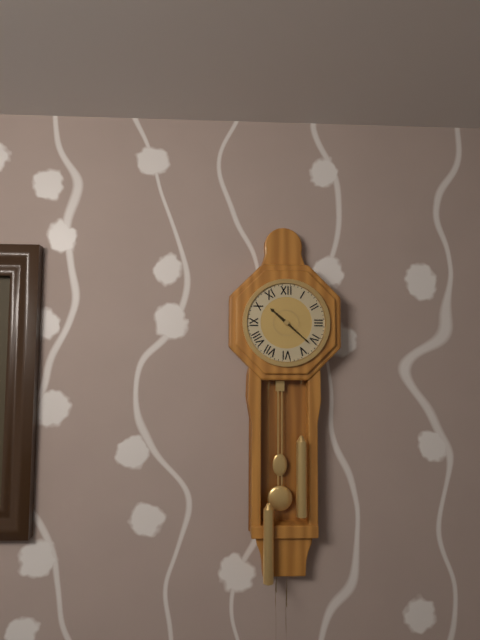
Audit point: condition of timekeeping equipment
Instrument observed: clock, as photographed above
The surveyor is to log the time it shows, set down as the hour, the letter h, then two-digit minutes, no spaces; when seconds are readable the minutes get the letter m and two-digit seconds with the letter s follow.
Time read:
10h22
